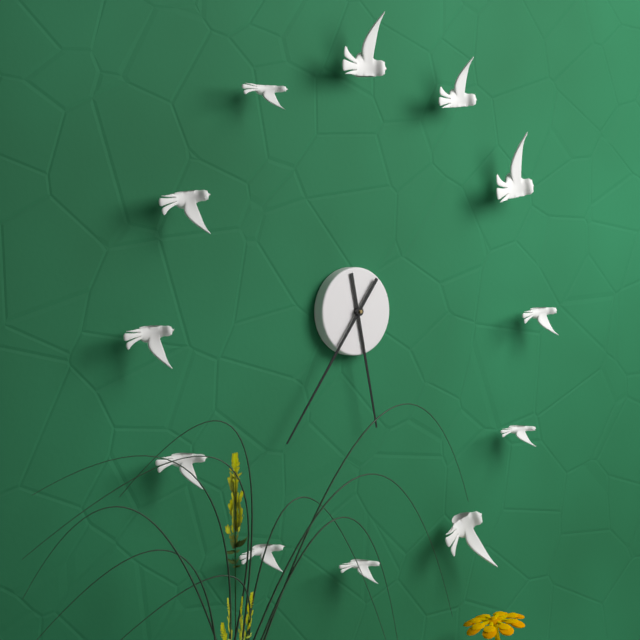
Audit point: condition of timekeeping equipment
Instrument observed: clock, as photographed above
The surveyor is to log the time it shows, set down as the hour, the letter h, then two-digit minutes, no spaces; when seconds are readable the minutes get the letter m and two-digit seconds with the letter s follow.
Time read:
5h36
